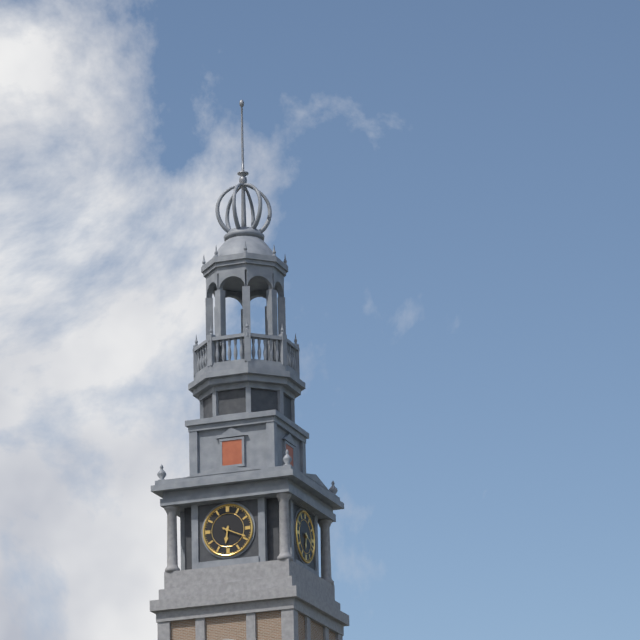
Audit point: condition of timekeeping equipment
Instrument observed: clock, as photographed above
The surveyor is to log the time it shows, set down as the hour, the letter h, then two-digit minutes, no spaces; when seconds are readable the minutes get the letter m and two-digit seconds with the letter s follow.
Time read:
6h19
